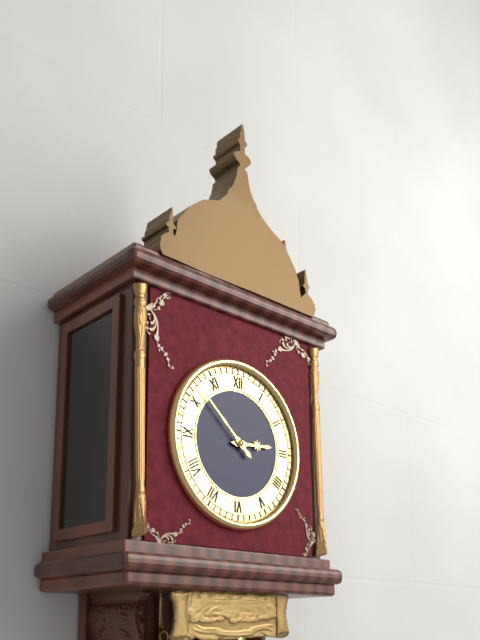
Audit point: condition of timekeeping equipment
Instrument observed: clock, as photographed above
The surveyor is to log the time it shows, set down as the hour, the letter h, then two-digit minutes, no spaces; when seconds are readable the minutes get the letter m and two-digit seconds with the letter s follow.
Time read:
2h52
